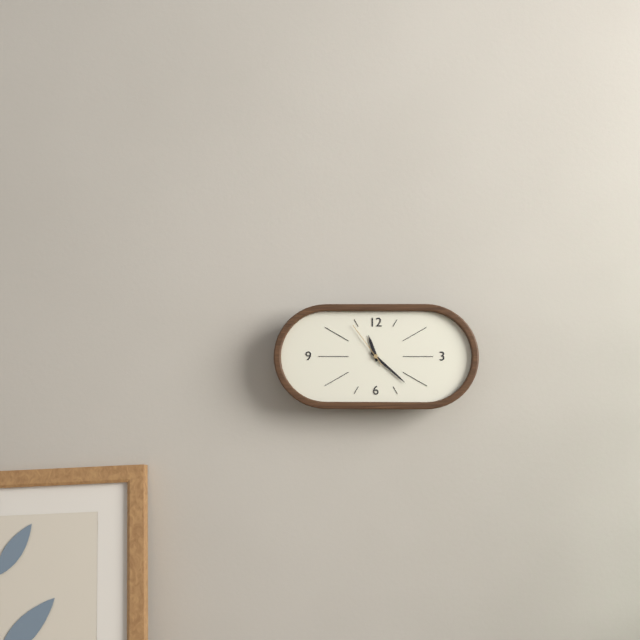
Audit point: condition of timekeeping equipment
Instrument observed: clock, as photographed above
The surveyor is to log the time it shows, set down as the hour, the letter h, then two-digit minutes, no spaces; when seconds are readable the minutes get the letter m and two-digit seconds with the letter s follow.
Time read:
11h22
